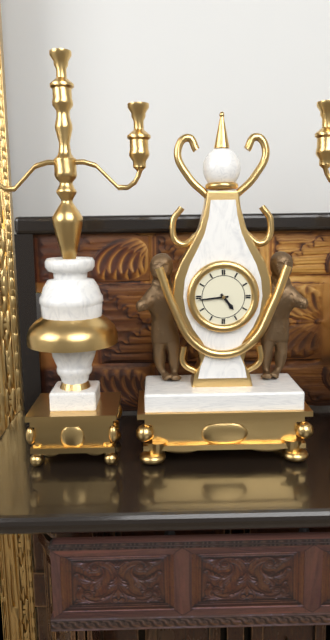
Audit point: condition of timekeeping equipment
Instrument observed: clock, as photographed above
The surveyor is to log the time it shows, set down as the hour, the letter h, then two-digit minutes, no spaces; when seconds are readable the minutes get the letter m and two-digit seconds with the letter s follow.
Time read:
4h44
